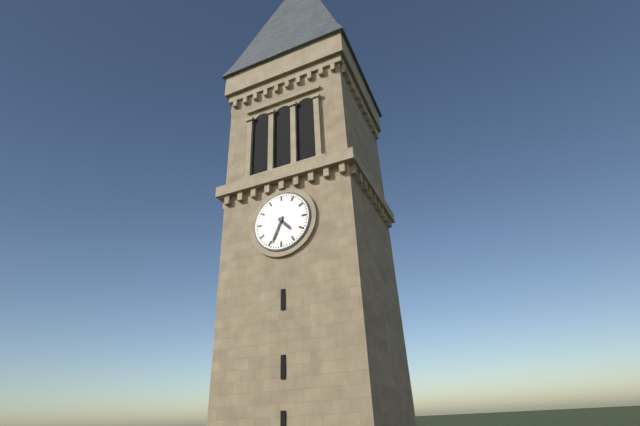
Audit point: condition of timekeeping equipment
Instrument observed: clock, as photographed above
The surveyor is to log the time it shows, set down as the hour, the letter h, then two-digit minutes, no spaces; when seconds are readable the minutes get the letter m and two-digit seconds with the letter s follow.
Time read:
4h34
